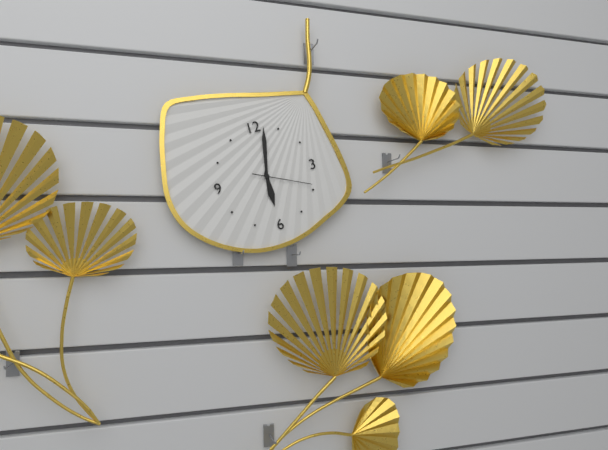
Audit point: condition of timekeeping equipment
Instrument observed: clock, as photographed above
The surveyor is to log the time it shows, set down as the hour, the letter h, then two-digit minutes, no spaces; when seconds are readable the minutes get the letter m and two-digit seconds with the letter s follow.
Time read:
6h02m19s
